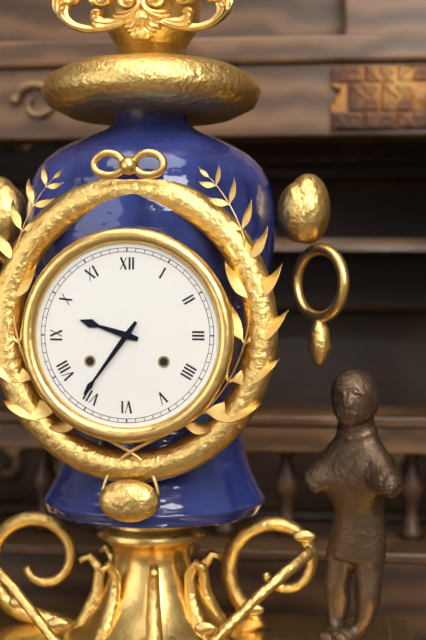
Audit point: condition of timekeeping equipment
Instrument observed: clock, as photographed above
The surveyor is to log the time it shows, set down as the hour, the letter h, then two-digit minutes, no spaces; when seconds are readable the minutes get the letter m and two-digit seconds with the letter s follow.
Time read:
9h36
